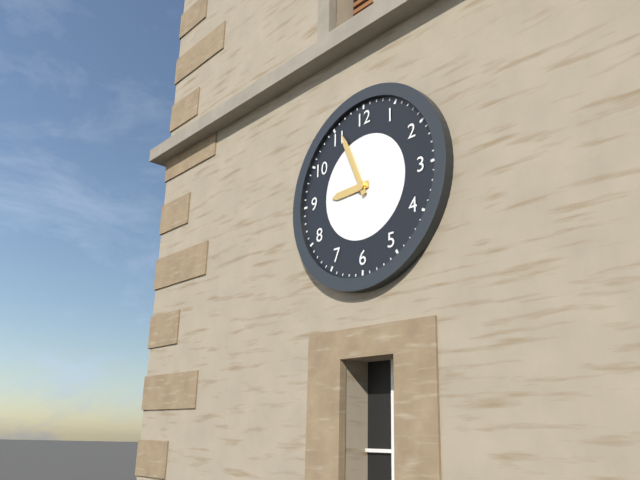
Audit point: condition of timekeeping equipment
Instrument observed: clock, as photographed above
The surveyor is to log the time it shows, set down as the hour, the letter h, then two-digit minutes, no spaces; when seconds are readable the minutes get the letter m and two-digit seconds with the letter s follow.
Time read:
8h56
